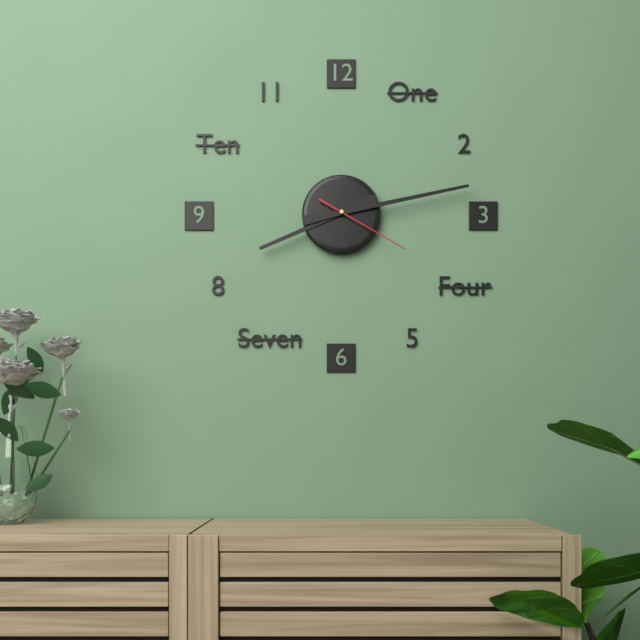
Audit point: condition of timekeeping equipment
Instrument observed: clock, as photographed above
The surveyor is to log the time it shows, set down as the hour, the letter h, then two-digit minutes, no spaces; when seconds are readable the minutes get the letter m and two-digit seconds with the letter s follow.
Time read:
8h13m20s
